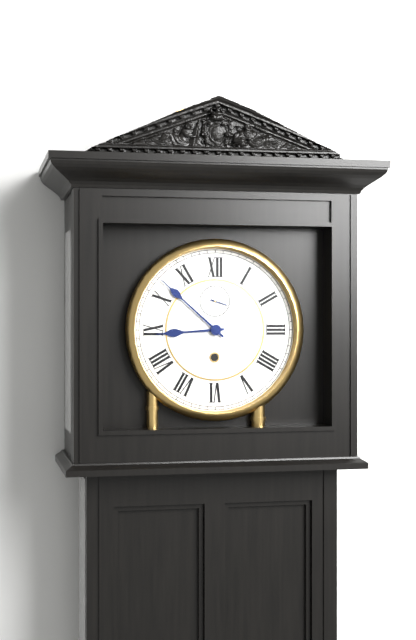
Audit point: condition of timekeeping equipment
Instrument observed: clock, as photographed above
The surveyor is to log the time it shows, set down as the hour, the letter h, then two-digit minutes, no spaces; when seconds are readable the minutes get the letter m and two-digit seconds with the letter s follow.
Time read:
8h52
